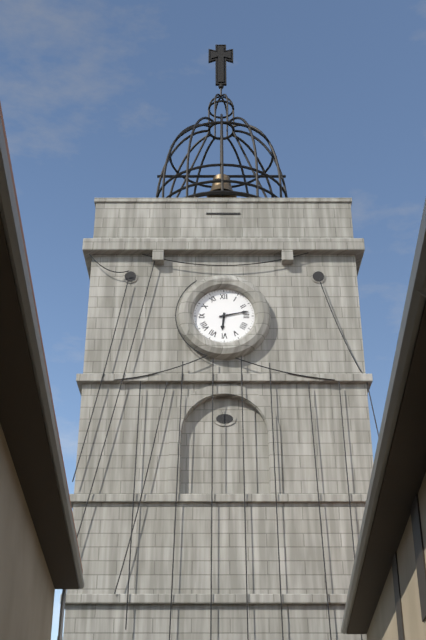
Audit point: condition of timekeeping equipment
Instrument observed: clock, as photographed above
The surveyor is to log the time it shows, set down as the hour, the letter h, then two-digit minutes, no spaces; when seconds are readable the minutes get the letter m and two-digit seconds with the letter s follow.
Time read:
6h13
